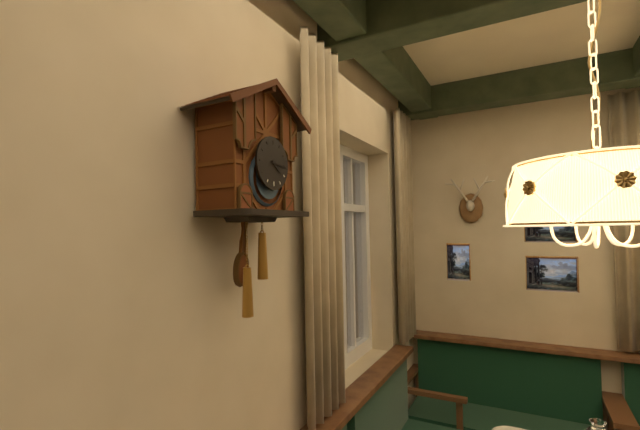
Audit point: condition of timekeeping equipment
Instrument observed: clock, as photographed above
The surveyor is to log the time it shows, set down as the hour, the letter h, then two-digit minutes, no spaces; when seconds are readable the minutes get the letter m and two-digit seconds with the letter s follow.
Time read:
4h16
